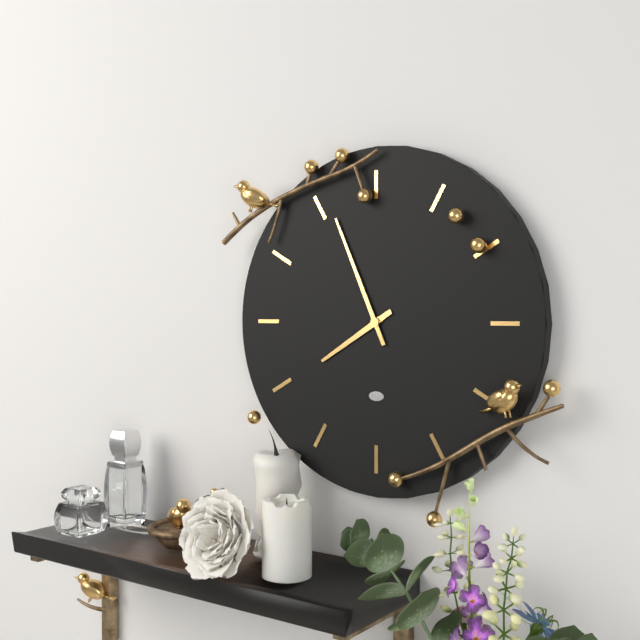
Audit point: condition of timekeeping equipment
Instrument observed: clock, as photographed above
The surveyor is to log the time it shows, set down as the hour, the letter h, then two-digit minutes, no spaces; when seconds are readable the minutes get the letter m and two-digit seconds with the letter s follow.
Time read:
7h56
